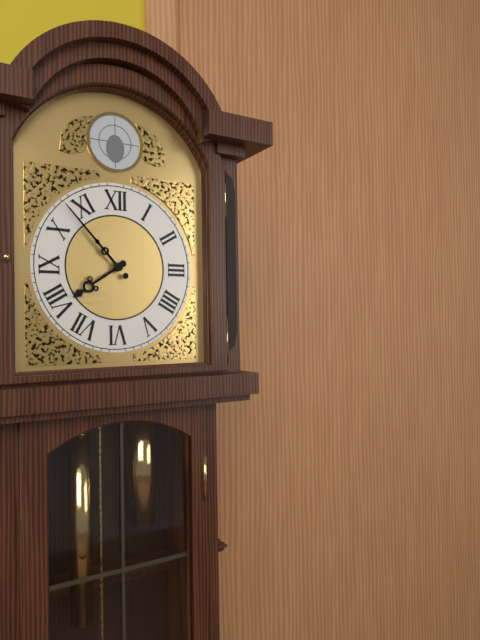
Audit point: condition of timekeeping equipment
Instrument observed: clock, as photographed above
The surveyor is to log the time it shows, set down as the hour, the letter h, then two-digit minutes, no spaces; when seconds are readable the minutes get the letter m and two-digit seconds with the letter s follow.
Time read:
7h53
